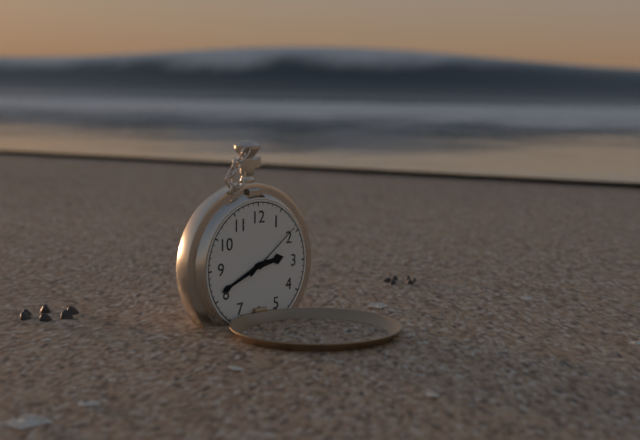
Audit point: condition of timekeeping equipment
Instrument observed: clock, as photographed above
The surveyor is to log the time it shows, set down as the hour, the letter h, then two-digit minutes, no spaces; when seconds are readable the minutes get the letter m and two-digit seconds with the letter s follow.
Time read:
2h41m09s
